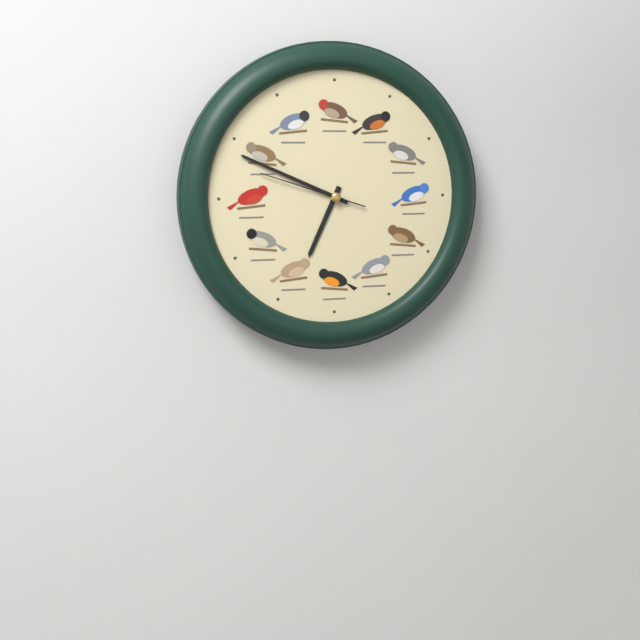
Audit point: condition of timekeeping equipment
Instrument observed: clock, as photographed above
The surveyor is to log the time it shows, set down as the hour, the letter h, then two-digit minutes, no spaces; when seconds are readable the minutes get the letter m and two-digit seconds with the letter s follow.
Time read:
6h49m48s
